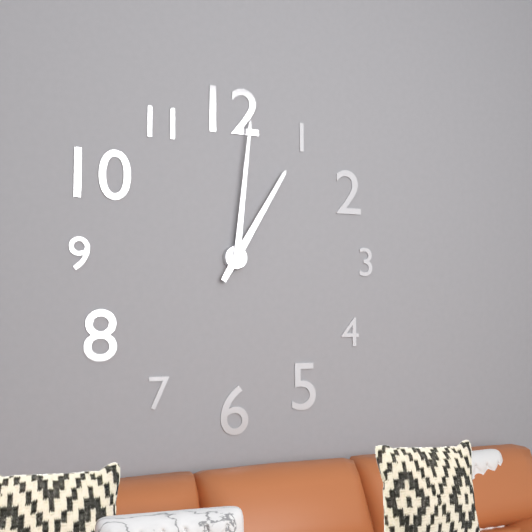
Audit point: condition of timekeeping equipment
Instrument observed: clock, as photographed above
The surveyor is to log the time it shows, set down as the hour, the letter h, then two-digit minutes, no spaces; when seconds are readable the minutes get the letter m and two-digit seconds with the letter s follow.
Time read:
1h01
